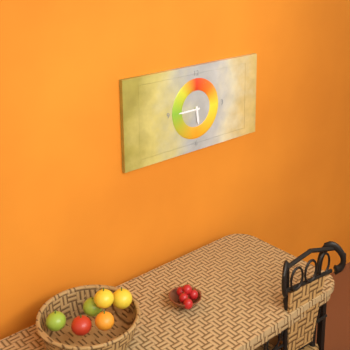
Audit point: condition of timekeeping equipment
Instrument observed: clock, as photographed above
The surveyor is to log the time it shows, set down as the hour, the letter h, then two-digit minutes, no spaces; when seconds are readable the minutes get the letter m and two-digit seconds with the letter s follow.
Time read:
5h45
